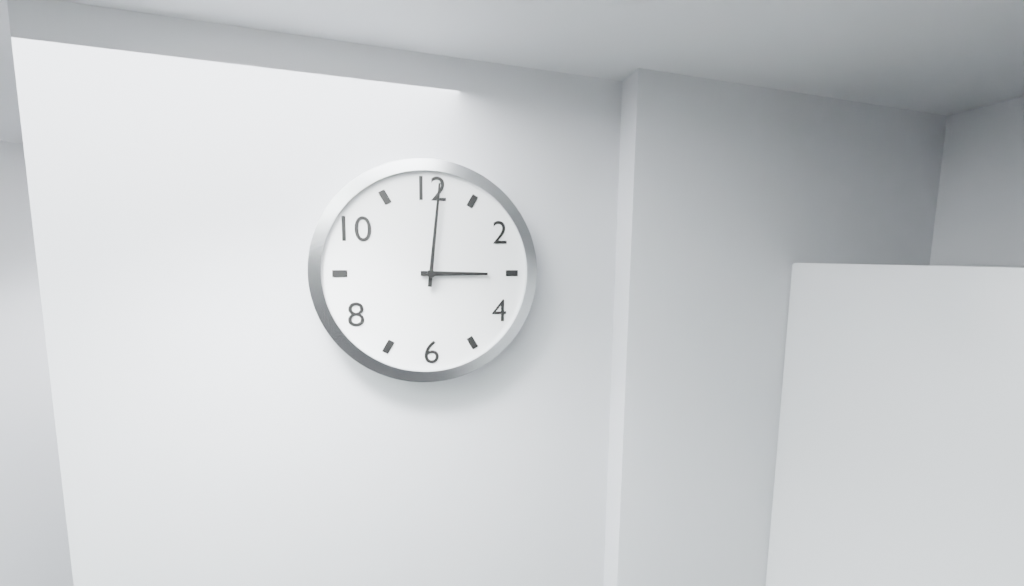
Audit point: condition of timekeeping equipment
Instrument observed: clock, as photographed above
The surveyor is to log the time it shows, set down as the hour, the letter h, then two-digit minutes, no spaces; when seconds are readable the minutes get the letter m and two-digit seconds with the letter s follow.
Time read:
3h01
